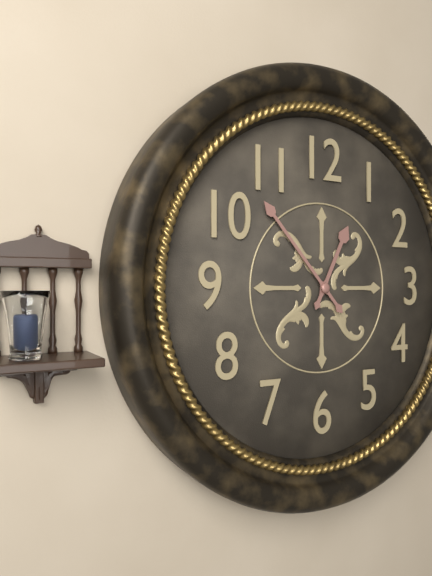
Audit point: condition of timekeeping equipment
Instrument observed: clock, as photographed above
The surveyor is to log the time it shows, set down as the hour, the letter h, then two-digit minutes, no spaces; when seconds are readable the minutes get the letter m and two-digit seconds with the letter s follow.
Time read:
12h53
